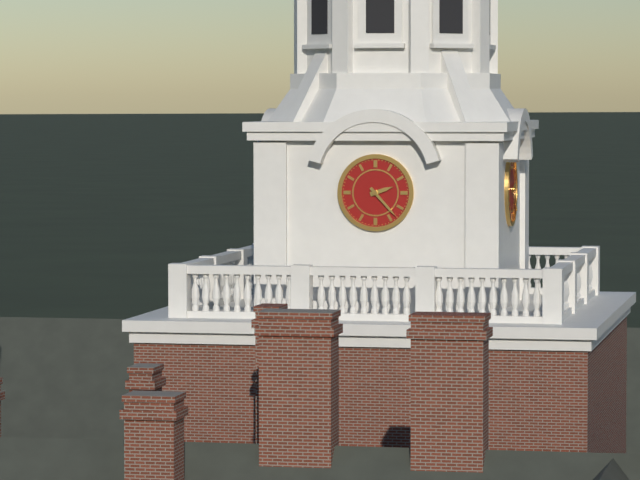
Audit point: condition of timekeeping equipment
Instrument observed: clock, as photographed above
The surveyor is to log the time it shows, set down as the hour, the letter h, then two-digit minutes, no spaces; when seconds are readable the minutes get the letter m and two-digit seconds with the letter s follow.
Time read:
2h23
